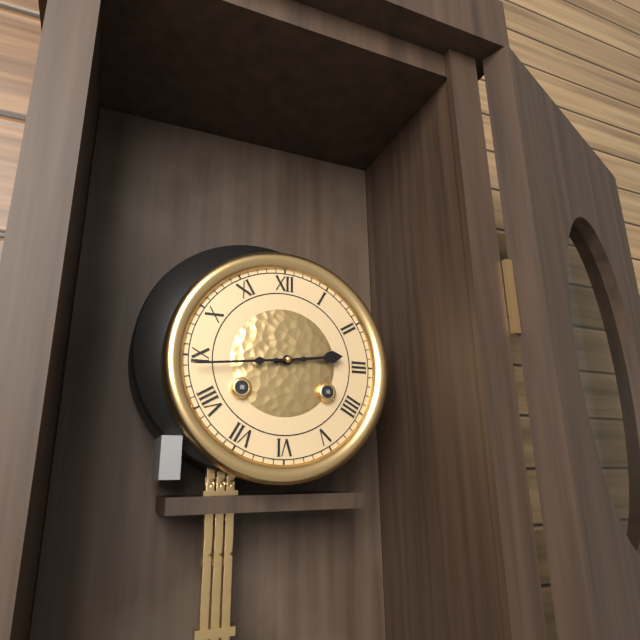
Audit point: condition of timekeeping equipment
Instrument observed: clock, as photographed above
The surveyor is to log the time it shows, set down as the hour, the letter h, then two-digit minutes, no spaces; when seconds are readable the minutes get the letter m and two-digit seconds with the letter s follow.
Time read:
2h44
